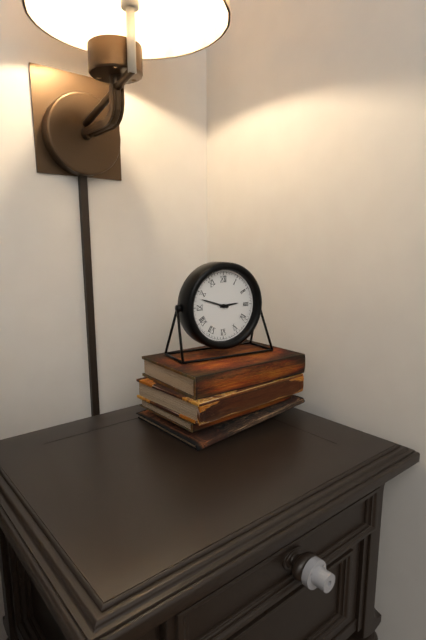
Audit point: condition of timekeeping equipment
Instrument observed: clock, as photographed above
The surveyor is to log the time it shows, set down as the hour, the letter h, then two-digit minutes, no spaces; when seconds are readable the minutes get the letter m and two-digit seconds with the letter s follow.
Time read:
2h48
